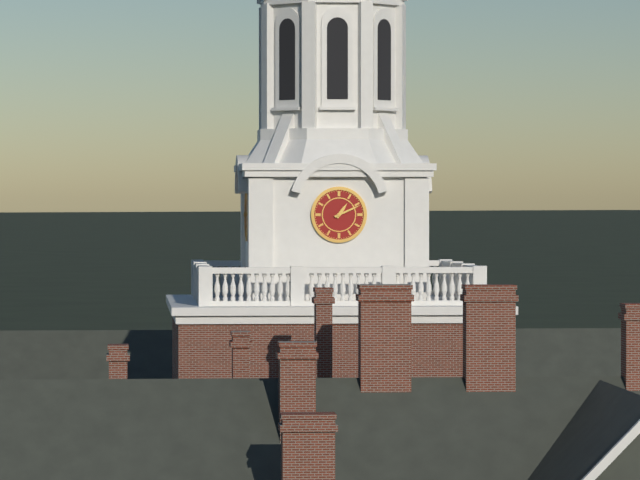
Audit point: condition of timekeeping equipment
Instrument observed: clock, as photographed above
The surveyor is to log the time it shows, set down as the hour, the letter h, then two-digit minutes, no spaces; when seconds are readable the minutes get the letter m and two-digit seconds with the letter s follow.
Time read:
1h11
